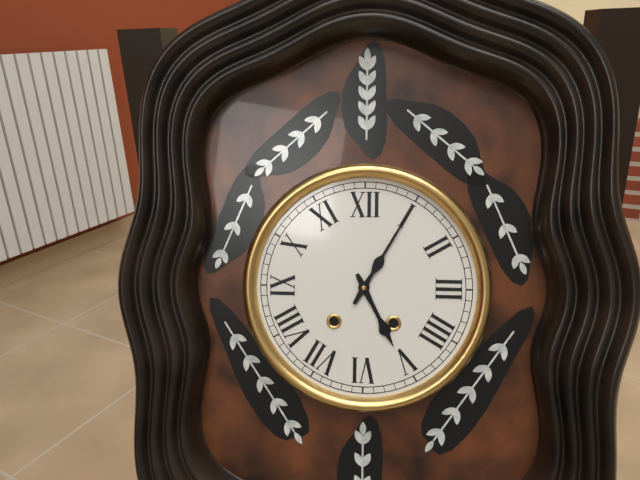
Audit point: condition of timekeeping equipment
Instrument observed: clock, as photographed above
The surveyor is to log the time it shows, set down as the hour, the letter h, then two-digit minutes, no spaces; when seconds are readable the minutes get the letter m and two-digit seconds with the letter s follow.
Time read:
5h05
